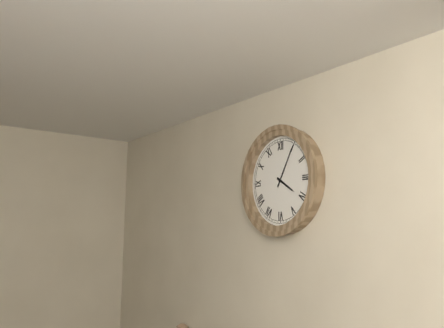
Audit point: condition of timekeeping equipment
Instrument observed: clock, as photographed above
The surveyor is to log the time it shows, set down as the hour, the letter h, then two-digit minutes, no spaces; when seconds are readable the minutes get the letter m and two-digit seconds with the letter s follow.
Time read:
4h05
